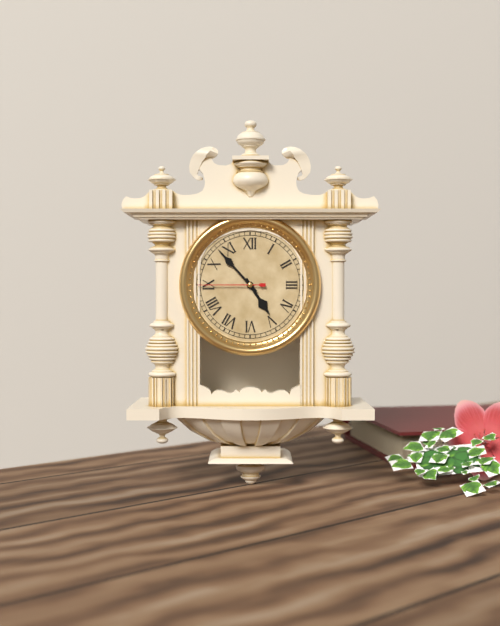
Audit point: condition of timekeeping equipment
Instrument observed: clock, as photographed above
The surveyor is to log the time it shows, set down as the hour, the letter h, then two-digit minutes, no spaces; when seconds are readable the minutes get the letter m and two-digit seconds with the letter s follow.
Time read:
4h53m45s
